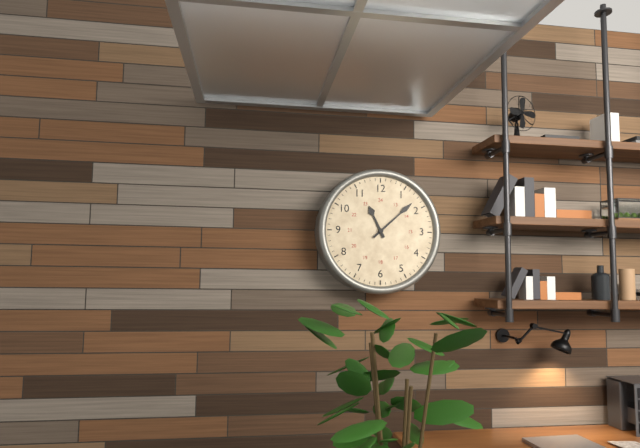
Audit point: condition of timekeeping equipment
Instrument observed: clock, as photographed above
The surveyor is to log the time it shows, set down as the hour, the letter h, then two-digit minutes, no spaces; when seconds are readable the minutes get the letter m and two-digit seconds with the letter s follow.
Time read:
11h08
